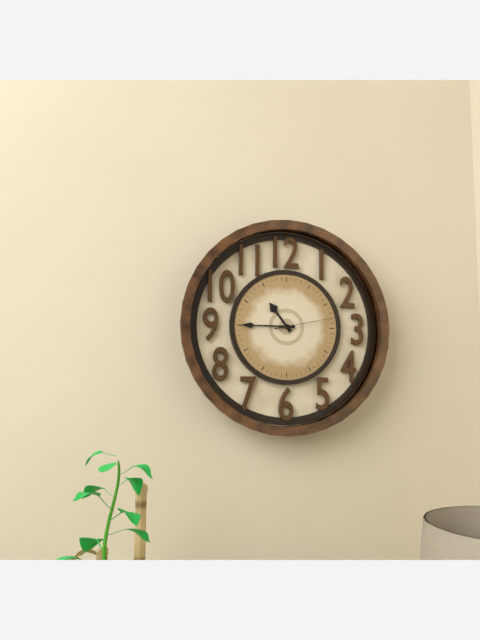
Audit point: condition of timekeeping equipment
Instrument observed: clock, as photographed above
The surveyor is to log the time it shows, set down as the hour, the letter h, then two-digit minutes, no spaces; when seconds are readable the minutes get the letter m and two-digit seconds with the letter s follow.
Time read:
10h45m13s
